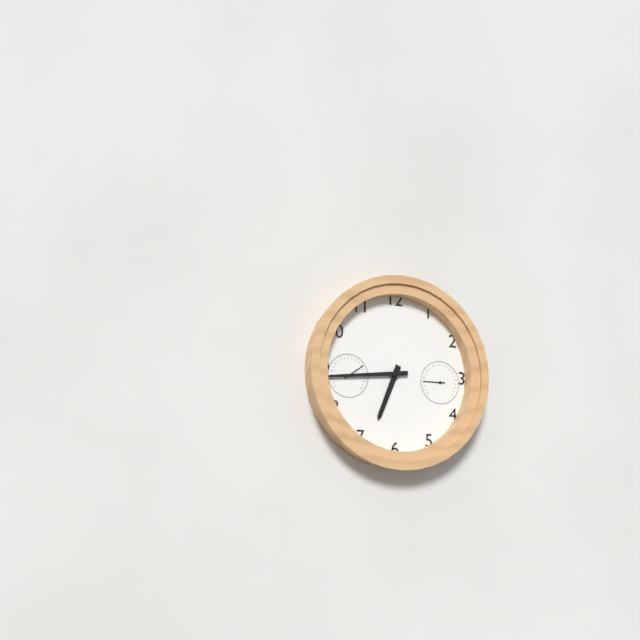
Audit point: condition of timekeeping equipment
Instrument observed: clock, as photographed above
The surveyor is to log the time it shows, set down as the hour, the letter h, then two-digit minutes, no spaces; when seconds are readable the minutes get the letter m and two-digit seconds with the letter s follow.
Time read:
6h44
